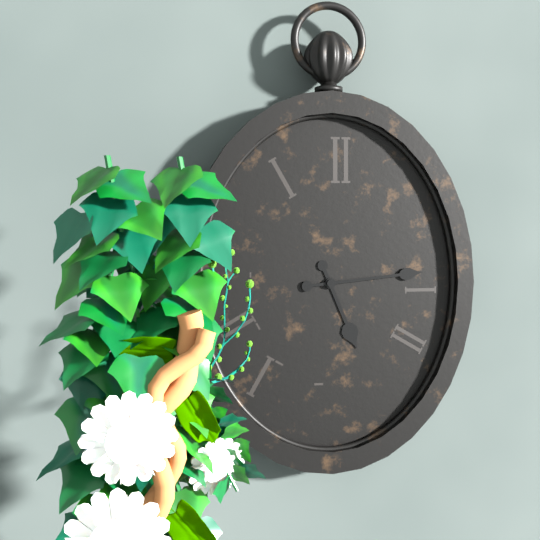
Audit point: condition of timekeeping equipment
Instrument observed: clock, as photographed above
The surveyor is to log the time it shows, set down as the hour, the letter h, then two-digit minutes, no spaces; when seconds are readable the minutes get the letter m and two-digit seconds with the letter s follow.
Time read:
5h14
